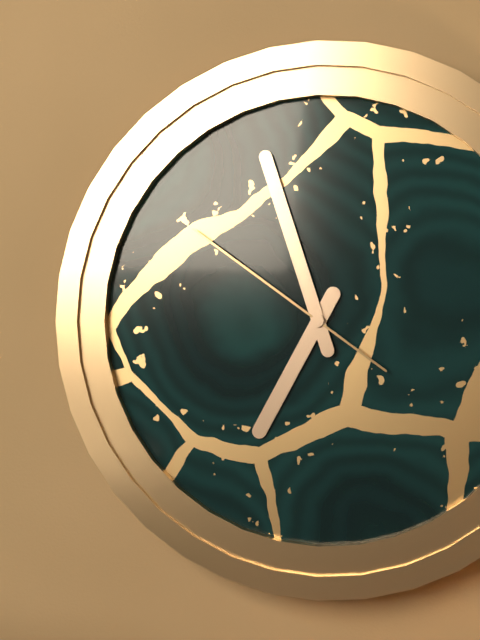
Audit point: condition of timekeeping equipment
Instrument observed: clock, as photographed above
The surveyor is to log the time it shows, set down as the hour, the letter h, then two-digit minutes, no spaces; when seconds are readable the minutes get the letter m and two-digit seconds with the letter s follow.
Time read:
6h57m51s
